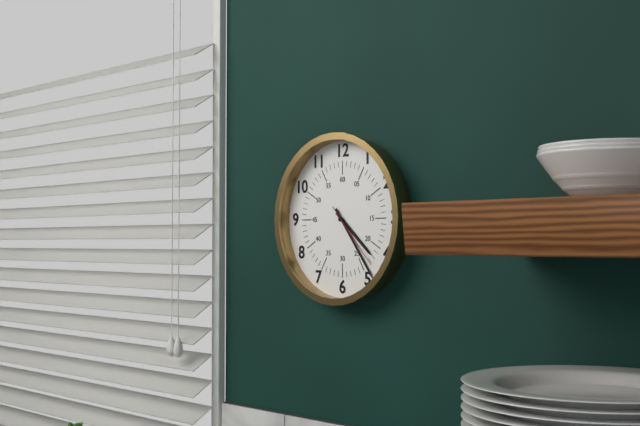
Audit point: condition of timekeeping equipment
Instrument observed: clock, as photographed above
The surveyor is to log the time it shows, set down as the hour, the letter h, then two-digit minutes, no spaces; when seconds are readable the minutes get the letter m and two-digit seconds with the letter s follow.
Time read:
4h24m23s
